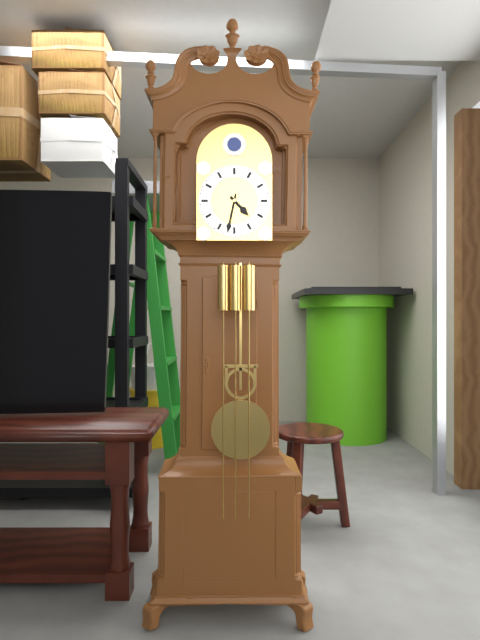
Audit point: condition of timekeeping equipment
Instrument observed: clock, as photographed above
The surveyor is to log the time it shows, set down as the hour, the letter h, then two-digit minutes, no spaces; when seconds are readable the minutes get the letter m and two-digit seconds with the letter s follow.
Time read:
4h32
